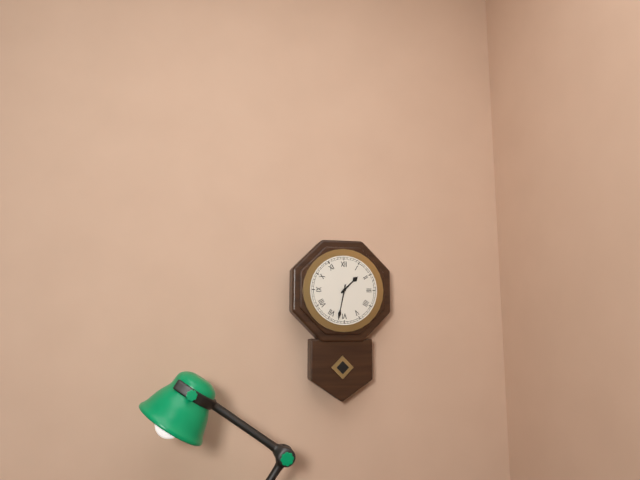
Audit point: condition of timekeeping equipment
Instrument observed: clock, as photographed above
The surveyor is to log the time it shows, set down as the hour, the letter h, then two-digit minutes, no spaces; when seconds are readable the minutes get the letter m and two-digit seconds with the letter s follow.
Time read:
1h32
